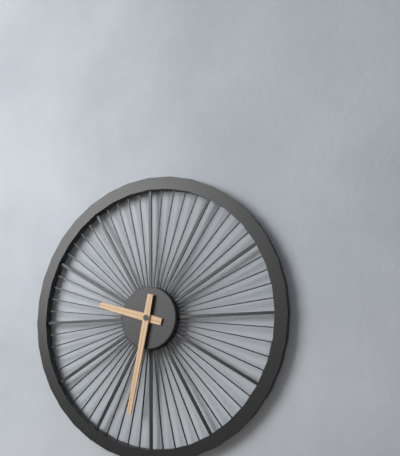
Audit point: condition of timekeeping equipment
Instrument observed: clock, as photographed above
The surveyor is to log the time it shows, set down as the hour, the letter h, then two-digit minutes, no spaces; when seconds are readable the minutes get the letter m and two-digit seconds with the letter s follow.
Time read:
9h32
